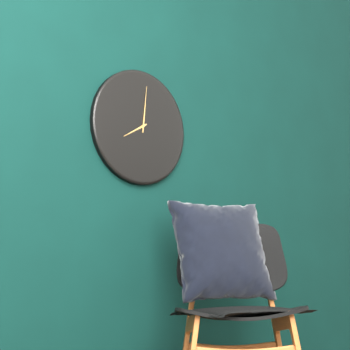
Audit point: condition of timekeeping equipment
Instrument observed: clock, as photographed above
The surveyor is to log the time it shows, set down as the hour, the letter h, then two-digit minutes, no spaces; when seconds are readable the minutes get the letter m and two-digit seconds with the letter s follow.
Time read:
8h01
